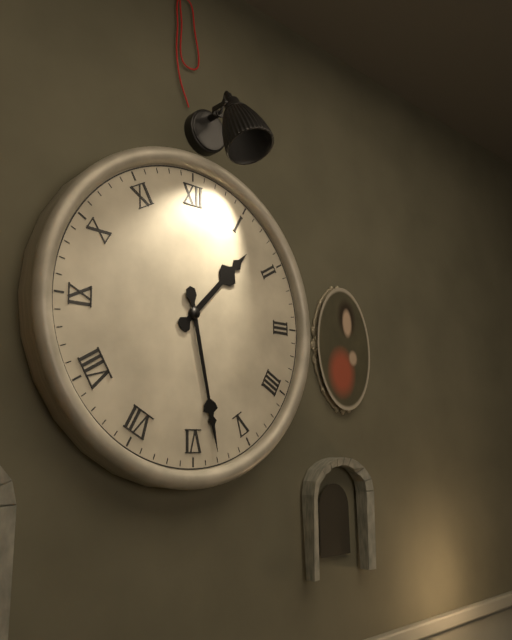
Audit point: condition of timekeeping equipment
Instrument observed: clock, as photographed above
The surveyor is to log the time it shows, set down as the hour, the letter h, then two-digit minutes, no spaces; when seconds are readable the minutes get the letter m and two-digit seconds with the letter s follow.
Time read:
1h28
